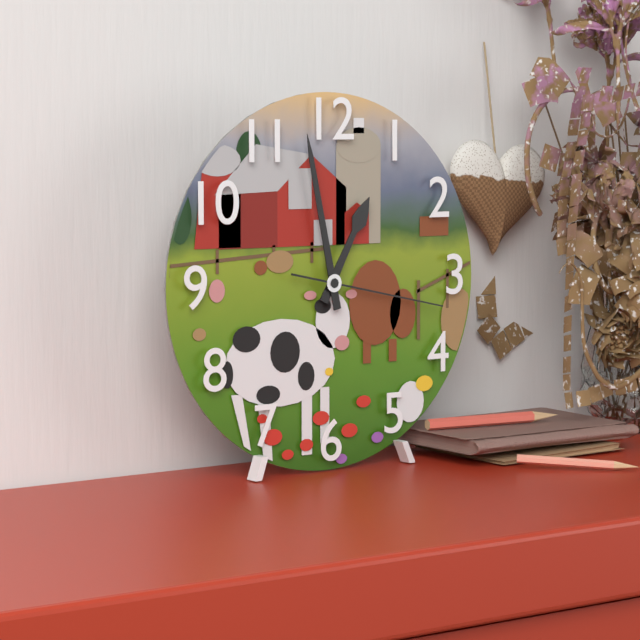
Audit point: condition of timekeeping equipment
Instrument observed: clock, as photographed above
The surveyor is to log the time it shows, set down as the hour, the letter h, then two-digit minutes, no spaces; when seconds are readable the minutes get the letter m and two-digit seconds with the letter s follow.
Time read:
12h58m17s
